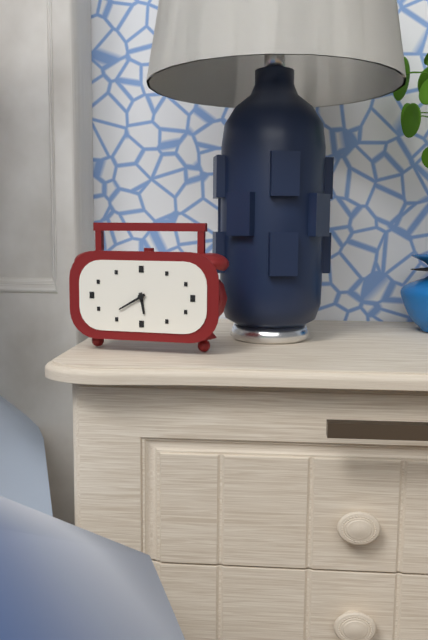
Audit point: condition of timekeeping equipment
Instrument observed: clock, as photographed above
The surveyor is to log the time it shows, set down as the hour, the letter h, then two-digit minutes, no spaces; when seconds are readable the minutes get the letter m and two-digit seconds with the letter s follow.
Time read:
5h40
